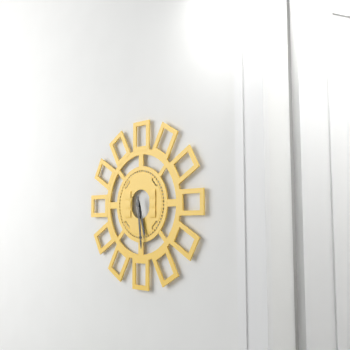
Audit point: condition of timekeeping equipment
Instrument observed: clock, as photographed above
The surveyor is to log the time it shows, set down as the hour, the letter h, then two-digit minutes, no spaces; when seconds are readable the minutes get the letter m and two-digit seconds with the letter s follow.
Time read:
5h29
